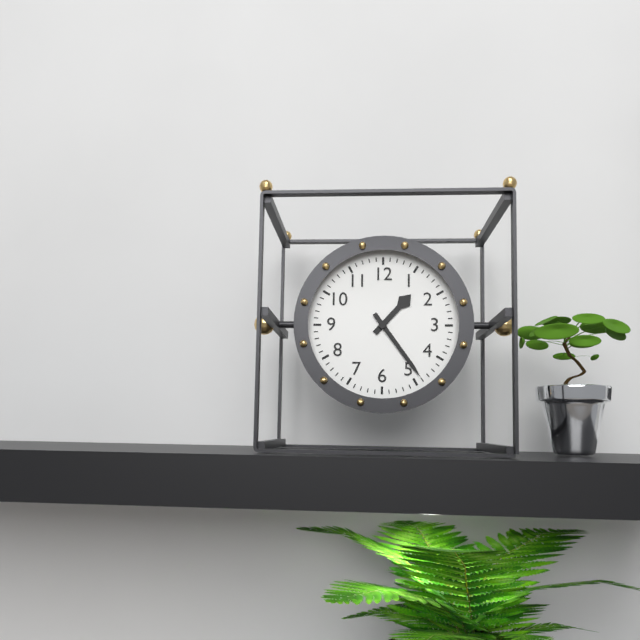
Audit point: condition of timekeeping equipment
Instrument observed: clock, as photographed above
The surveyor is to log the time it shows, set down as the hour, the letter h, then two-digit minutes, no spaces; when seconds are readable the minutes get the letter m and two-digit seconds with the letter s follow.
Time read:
1h24
